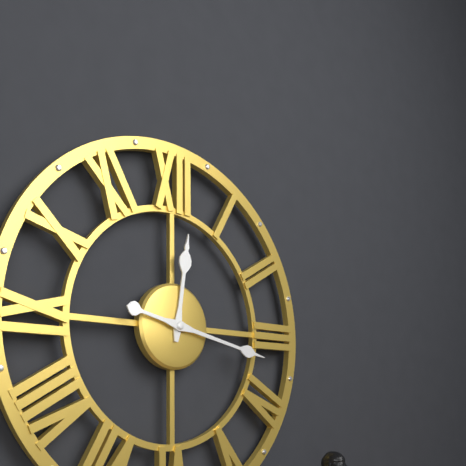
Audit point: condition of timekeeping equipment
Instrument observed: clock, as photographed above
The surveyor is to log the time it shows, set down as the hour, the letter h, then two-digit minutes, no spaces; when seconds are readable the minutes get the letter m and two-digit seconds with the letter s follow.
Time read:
12h17
